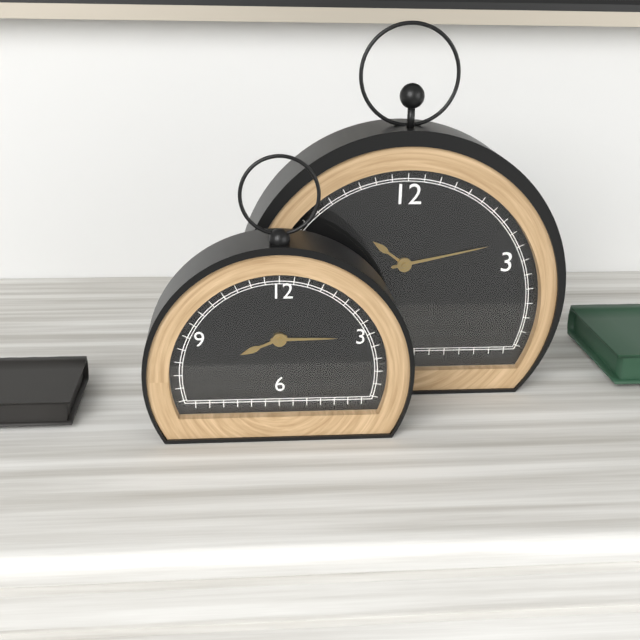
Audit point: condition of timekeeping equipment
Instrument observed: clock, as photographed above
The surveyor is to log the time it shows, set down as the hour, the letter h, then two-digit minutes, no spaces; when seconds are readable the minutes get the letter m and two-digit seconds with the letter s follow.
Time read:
8h15
